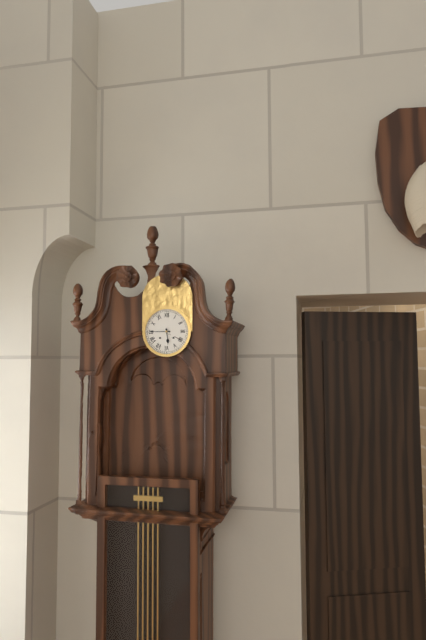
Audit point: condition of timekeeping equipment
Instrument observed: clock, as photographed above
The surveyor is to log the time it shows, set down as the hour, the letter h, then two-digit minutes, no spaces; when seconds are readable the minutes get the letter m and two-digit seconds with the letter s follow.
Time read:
5h45
